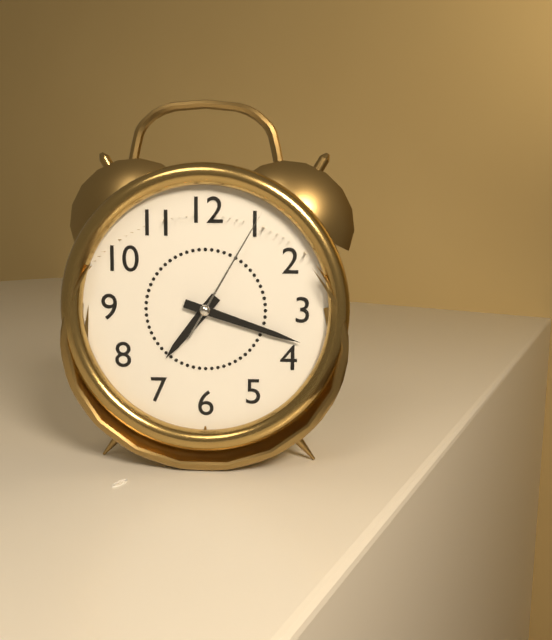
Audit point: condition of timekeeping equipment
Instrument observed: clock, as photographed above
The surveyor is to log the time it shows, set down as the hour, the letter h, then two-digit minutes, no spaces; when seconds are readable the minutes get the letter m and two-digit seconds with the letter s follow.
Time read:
7h18m05s
